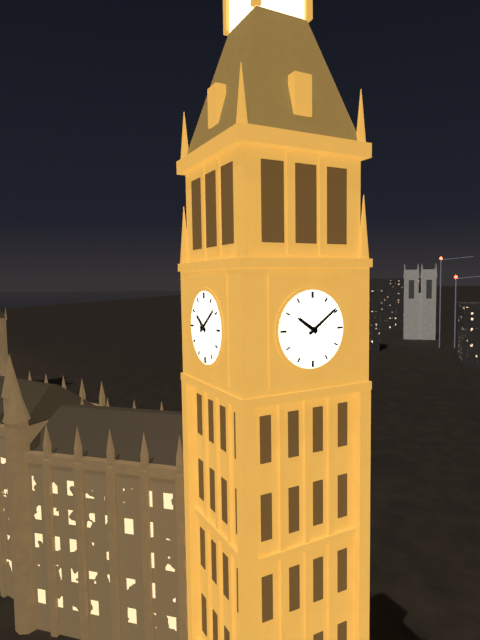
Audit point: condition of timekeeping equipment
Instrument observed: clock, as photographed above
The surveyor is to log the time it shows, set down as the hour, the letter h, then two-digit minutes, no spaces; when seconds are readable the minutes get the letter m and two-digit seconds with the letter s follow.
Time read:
10h09
